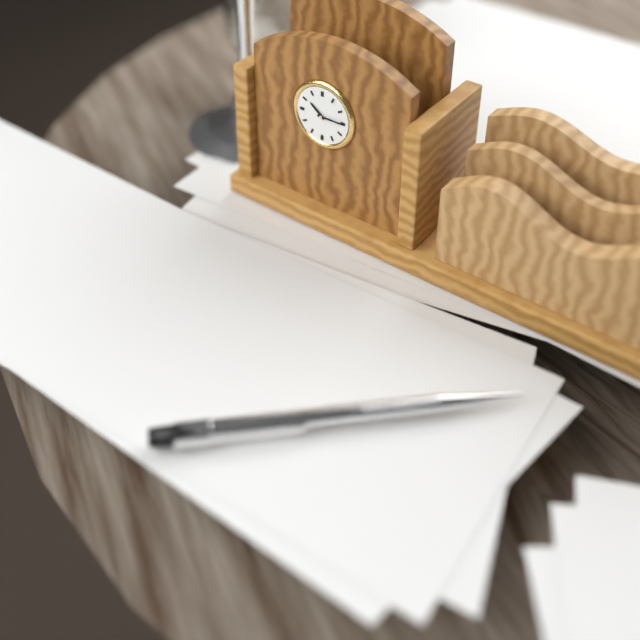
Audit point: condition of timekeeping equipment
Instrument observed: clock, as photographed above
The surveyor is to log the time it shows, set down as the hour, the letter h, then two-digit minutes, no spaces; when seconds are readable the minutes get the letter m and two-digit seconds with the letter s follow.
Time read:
10h15
